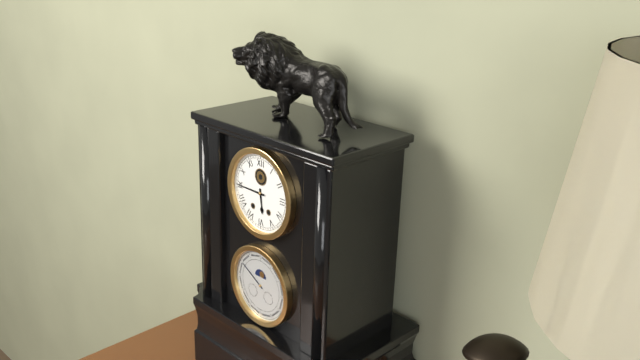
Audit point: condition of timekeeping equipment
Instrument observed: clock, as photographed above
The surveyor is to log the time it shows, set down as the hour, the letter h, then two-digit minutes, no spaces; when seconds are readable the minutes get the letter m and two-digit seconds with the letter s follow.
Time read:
5h45
